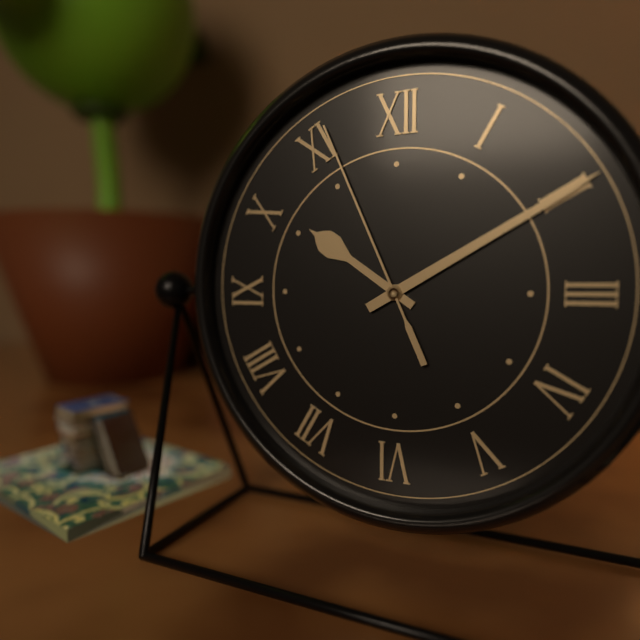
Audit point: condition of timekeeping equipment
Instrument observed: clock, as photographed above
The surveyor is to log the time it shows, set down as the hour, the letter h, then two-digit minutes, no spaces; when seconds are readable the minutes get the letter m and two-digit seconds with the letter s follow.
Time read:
10h10m56s
